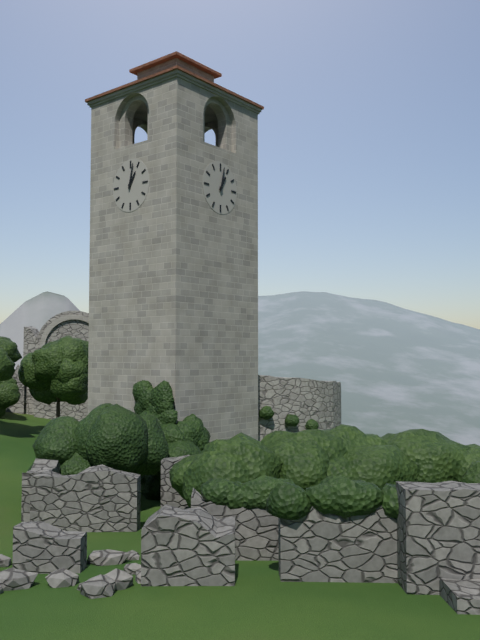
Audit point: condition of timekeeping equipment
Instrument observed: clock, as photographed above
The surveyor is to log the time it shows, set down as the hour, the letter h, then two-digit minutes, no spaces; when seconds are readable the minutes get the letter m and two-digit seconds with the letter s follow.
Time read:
1h02
